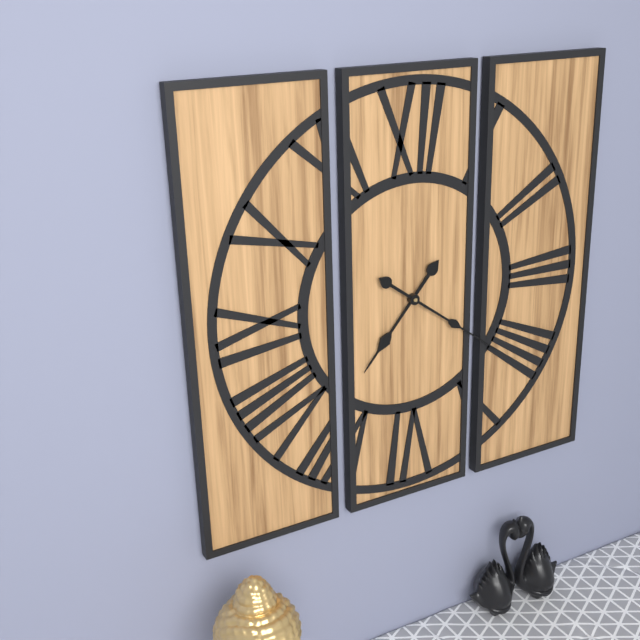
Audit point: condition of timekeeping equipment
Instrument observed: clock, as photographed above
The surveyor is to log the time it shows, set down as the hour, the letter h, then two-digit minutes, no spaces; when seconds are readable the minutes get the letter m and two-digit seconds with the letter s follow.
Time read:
7h21
